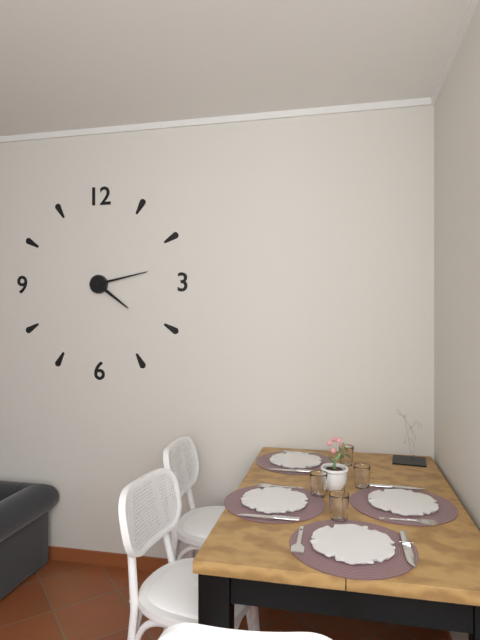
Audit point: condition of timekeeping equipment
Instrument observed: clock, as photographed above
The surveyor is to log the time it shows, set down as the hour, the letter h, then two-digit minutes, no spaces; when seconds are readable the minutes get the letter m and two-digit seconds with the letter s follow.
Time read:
4h13
